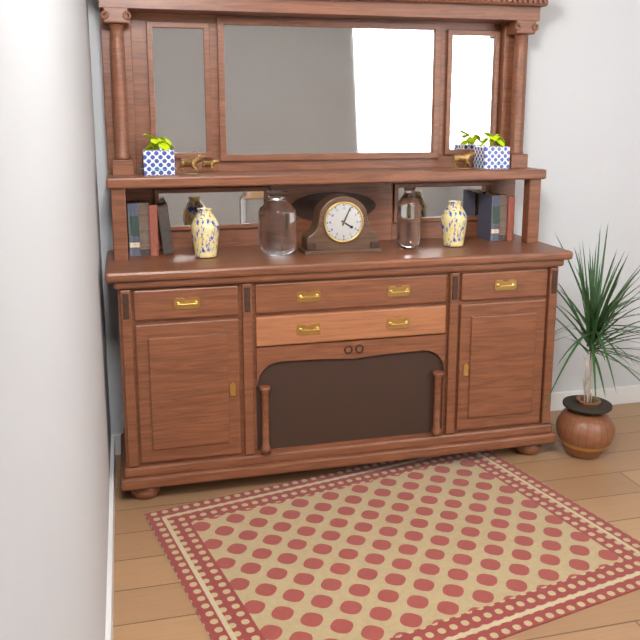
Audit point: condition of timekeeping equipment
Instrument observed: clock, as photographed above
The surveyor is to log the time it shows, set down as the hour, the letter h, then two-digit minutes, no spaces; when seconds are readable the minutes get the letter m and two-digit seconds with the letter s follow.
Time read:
4h04
